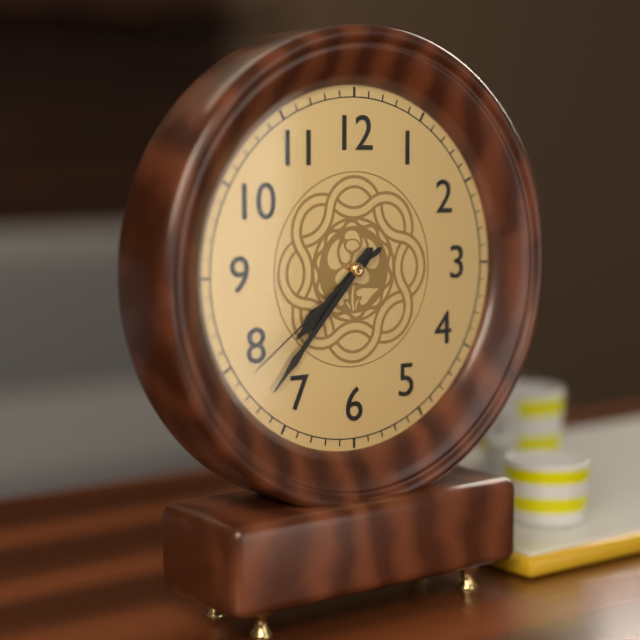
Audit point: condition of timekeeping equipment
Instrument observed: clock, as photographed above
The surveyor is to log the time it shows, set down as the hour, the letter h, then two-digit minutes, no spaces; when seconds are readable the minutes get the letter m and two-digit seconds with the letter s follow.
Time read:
7h37m39s
